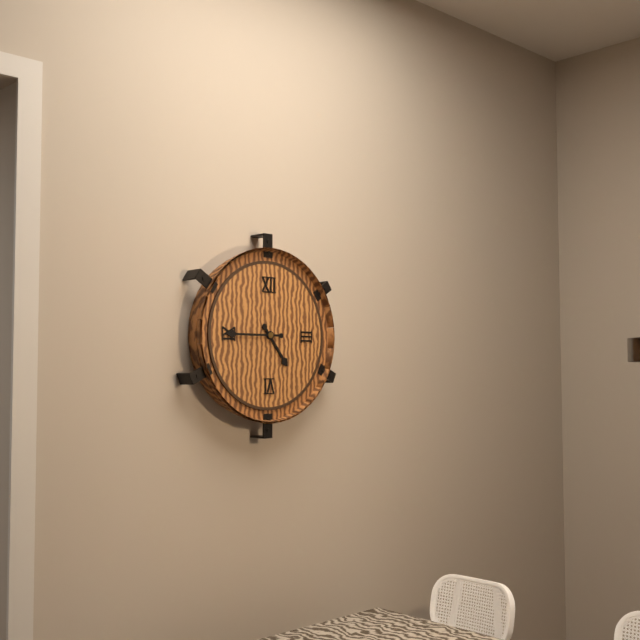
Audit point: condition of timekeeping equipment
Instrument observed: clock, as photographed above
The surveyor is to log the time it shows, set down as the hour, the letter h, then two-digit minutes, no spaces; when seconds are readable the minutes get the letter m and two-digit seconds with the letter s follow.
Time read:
4h45
